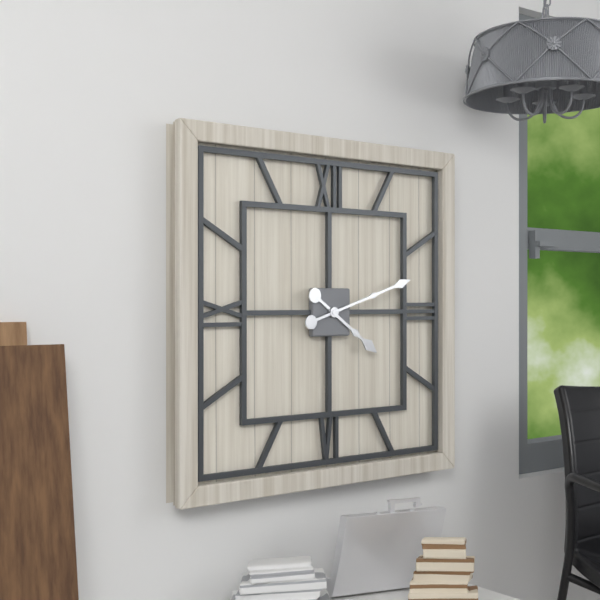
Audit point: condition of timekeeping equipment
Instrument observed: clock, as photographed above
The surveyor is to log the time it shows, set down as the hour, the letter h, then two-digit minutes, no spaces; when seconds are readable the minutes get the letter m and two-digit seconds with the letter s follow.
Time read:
4h12
